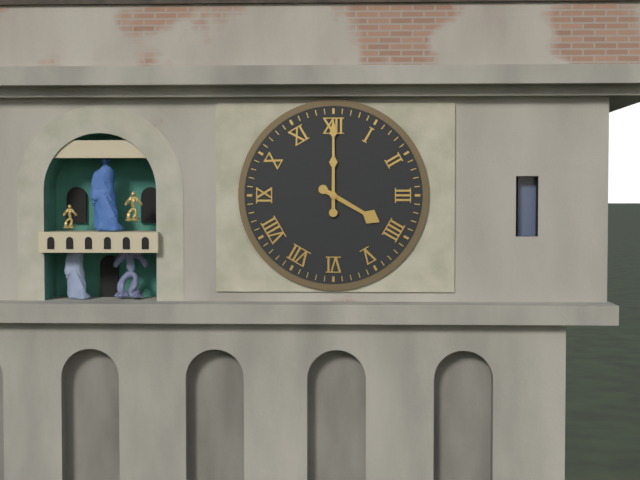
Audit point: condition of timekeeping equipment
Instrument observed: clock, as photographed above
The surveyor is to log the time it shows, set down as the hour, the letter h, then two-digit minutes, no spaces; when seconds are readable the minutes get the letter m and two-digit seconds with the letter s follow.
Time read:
4h00
